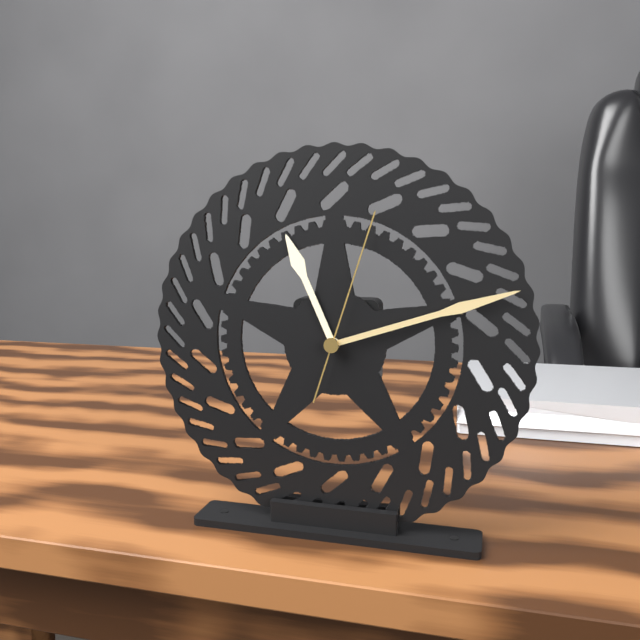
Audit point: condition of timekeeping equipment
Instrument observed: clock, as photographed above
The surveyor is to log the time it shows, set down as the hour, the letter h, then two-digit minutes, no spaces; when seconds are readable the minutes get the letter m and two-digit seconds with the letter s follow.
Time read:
11h12m03s
